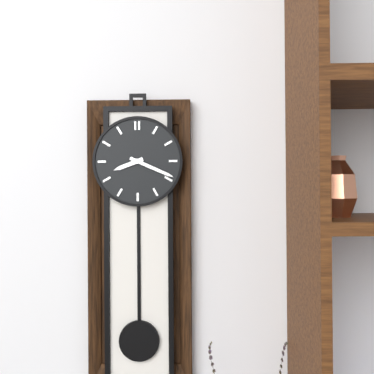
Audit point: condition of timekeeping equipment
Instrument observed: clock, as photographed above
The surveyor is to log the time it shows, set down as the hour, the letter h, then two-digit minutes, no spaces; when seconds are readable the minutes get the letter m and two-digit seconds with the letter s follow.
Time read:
8h19
